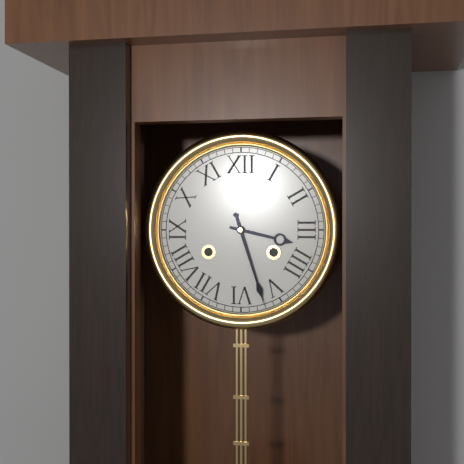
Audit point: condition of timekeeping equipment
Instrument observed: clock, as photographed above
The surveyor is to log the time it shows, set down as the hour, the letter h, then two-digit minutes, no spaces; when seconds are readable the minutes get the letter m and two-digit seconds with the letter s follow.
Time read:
3h27
